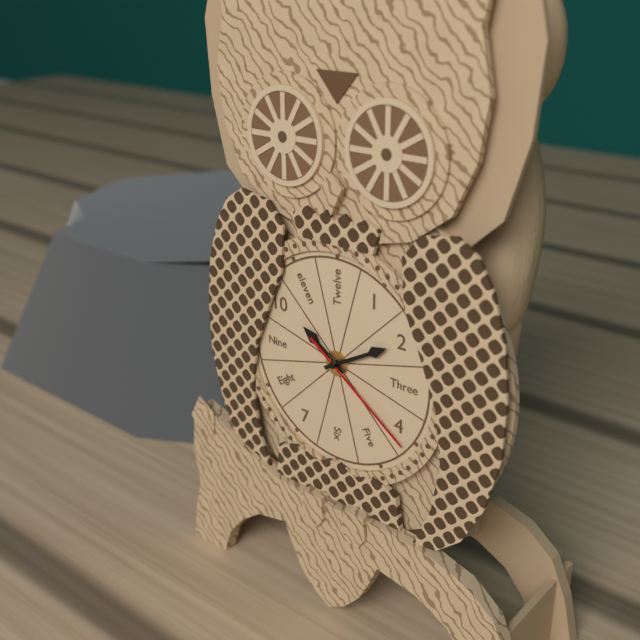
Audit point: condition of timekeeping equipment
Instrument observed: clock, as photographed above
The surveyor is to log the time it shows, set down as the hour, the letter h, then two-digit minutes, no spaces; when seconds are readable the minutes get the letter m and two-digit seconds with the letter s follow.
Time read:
10h10m21s
